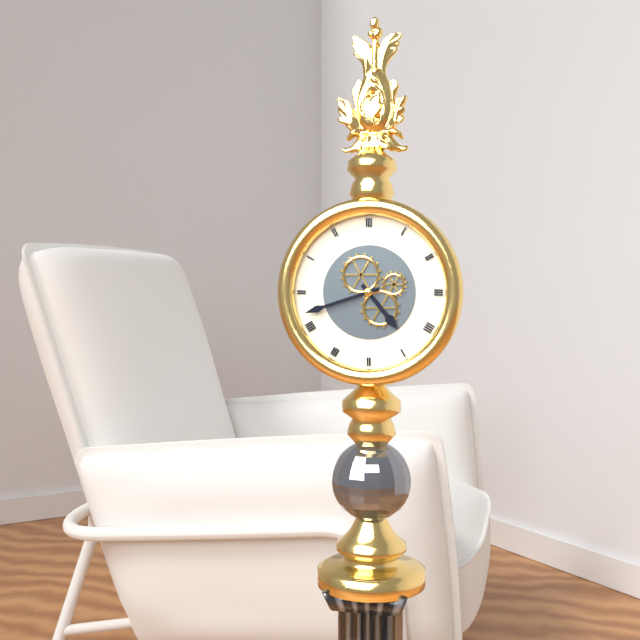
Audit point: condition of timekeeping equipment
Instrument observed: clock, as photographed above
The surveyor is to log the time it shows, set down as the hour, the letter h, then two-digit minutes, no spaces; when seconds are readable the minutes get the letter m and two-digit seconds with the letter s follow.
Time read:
4h42
